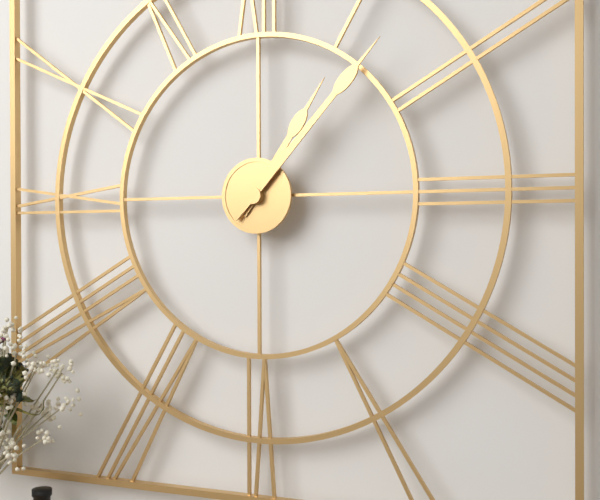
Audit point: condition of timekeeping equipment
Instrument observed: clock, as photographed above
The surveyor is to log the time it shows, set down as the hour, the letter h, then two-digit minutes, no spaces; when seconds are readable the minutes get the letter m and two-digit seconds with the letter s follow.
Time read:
1h07
